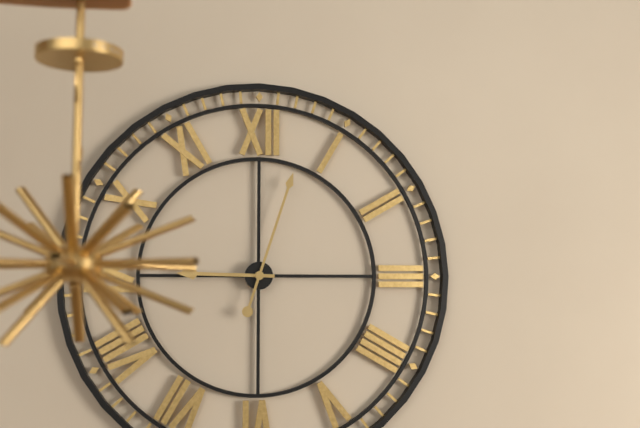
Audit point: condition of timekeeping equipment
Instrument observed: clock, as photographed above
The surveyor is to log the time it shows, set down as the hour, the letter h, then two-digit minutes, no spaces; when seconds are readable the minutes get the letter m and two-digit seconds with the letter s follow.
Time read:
9h03
